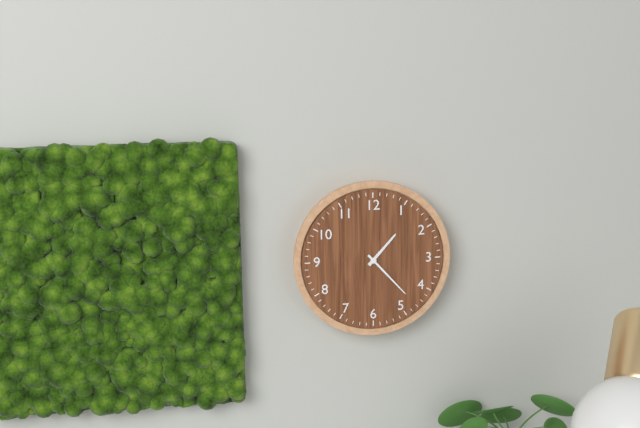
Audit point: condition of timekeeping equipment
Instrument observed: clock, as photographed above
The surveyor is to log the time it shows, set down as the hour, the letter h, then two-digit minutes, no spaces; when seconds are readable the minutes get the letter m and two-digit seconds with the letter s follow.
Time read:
1h23
